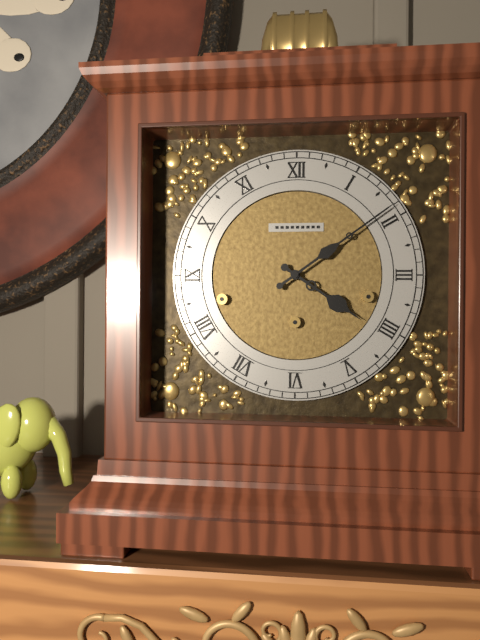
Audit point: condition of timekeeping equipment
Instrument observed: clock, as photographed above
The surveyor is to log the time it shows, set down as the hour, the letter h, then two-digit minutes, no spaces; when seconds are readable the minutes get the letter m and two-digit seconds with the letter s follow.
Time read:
4h09
